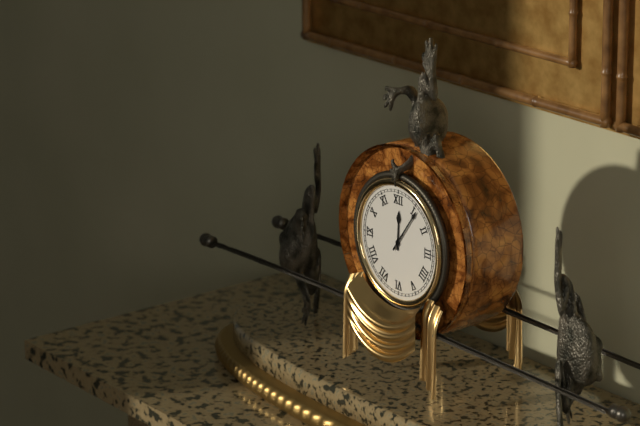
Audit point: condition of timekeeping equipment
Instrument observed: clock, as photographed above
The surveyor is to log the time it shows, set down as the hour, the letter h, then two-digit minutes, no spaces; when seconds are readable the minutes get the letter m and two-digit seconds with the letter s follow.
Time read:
12h06
